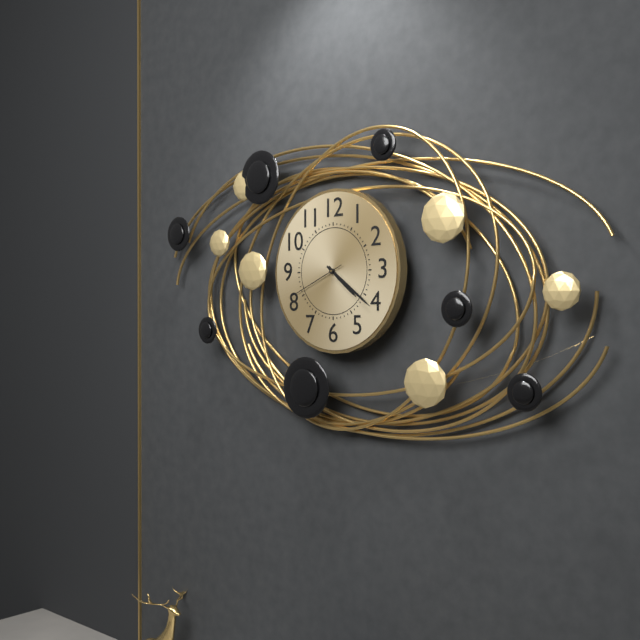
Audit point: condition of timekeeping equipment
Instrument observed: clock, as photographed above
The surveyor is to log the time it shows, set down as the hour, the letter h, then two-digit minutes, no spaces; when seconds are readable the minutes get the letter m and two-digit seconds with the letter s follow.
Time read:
4h21m41s
